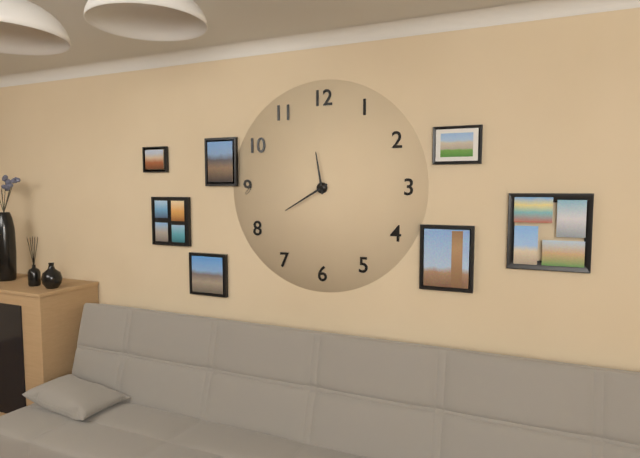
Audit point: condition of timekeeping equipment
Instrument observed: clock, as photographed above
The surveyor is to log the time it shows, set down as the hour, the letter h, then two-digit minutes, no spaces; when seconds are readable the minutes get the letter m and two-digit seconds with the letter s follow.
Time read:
11h40
